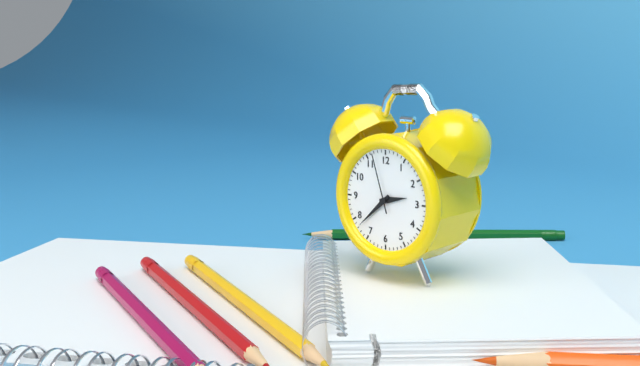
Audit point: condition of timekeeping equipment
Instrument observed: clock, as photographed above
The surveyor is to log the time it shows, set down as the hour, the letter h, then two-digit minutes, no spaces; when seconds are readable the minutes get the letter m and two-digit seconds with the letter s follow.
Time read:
2h38m57s
